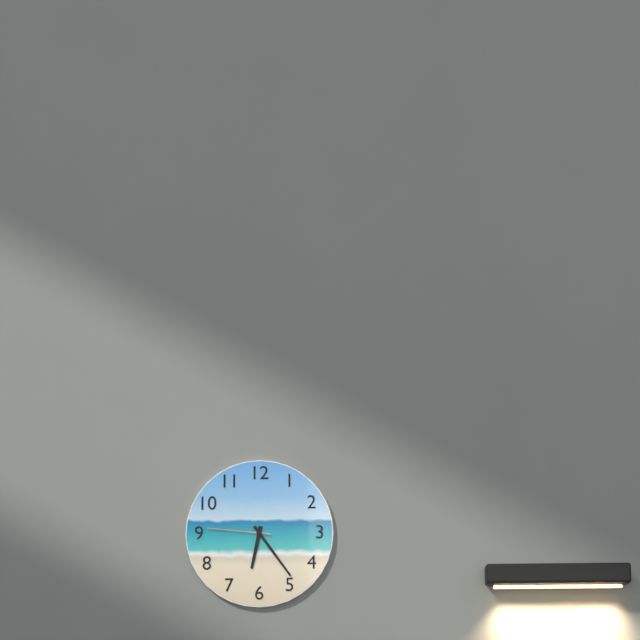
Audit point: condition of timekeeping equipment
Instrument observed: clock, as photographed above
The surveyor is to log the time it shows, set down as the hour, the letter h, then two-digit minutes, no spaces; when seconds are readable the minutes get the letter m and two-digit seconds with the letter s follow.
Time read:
6h24m46s
